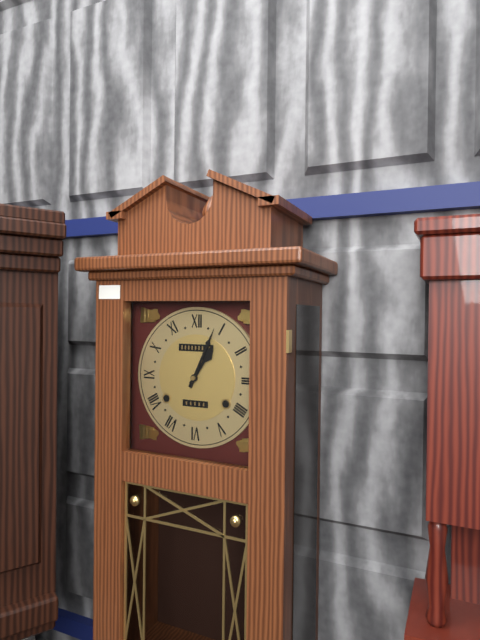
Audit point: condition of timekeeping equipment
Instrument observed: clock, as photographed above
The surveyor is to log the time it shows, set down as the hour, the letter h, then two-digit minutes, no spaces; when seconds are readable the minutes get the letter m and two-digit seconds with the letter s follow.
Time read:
1h04
